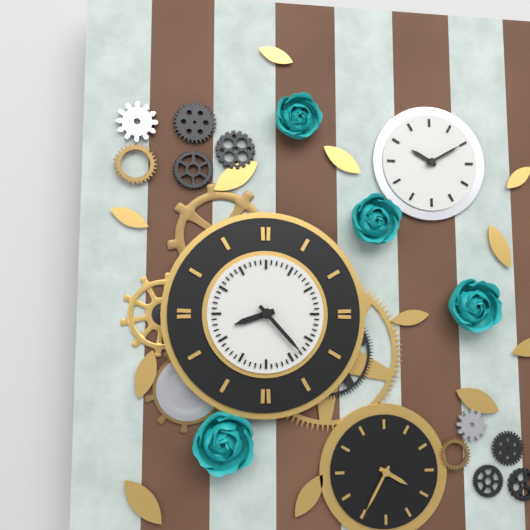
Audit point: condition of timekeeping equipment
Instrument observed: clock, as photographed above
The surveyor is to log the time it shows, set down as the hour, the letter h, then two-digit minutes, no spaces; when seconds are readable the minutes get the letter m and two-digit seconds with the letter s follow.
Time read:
8h23
